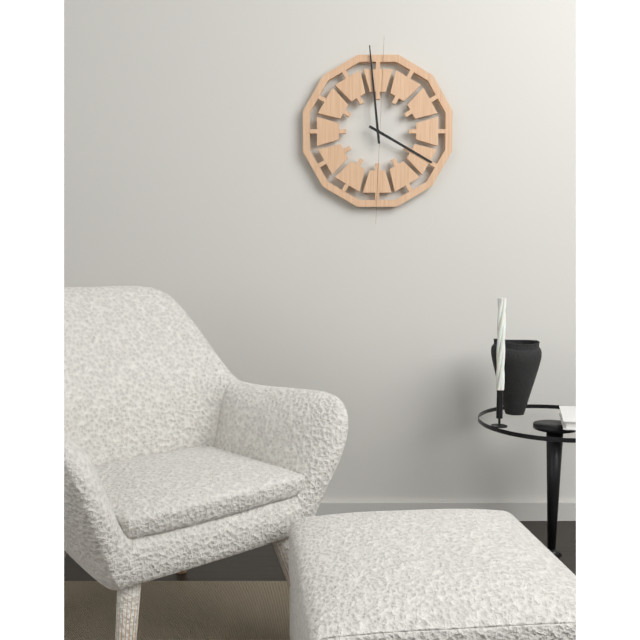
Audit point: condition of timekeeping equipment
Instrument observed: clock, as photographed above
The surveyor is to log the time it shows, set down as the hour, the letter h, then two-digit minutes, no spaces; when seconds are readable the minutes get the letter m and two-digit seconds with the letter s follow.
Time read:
3h59
